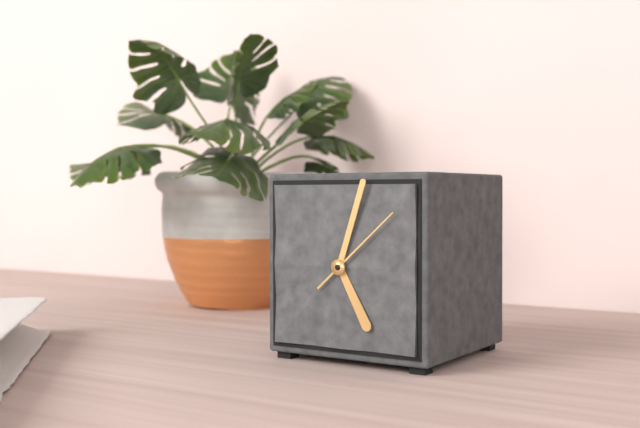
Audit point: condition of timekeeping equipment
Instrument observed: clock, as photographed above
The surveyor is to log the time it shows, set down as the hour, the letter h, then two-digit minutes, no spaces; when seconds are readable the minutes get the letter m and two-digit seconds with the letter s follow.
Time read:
5h03m08s
